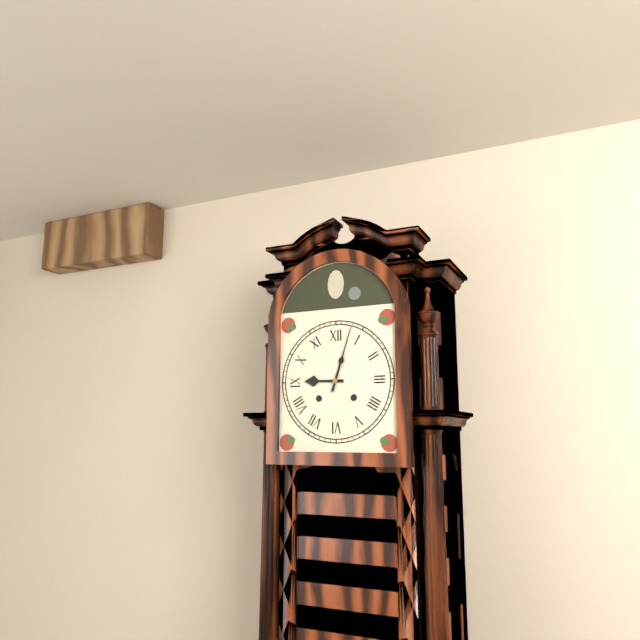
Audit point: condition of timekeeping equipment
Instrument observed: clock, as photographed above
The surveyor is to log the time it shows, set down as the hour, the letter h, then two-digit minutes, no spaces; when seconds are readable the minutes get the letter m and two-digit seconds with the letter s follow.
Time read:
9h03
